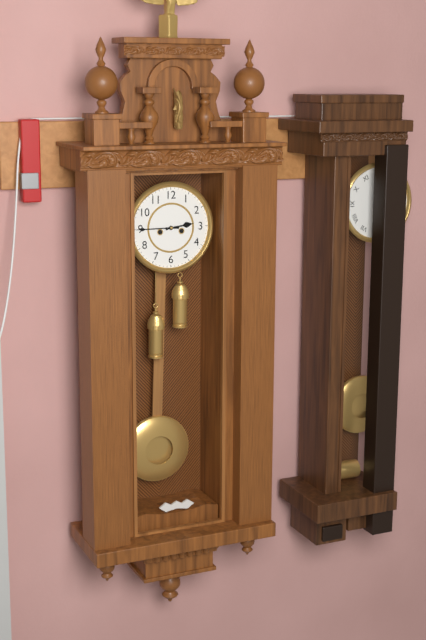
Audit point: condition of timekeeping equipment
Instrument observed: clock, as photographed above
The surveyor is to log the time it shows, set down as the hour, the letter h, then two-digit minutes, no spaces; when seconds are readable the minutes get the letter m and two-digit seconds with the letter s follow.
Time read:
2h45
